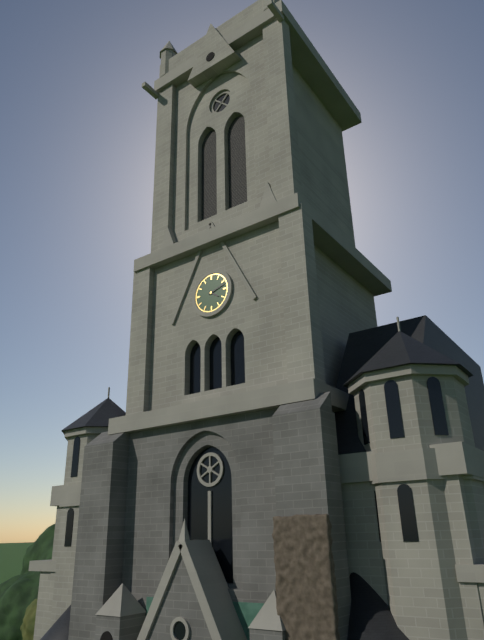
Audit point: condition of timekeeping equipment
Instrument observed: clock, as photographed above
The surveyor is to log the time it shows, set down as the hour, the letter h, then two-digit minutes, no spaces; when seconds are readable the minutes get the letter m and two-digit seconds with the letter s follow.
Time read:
4h12
